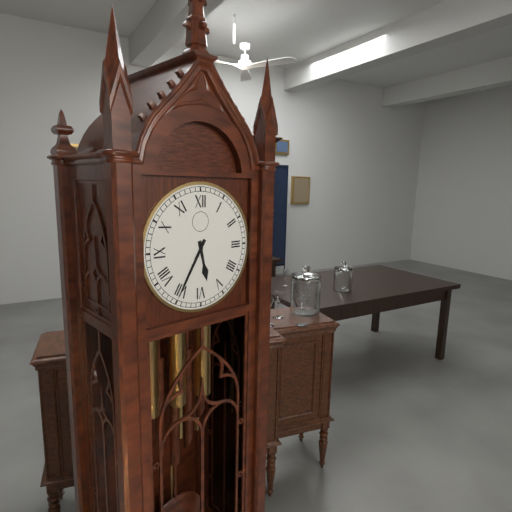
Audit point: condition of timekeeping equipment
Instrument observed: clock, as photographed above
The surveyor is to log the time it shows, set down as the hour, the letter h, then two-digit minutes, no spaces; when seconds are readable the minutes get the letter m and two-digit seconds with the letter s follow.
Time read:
5h35
